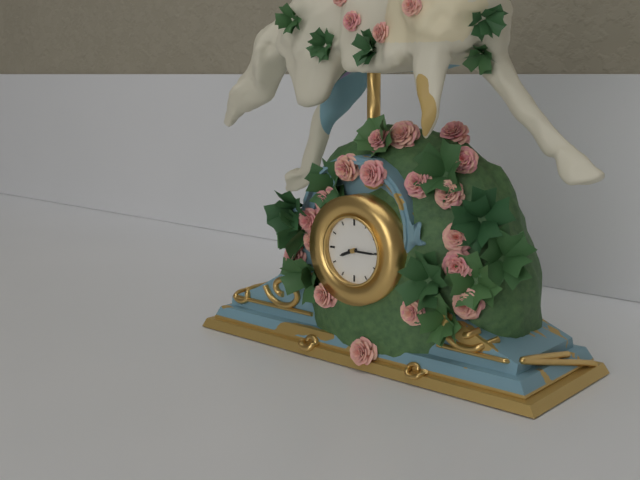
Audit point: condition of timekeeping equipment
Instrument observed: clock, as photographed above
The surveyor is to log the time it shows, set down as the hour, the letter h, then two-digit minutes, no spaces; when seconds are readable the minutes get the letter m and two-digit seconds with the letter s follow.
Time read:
8h15
